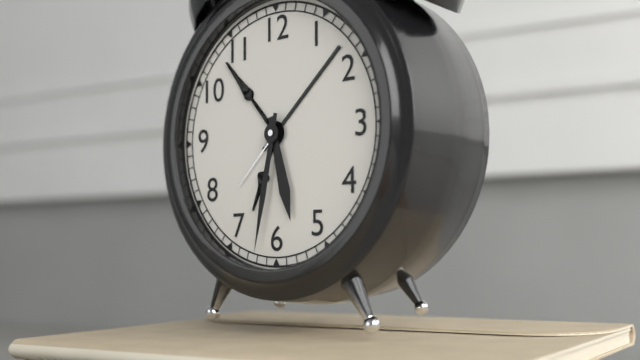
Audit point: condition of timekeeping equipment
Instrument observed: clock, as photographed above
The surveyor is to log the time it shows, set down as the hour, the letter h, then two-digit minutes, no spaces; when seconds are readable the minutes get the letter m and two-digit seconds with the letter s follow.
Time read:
5h32
